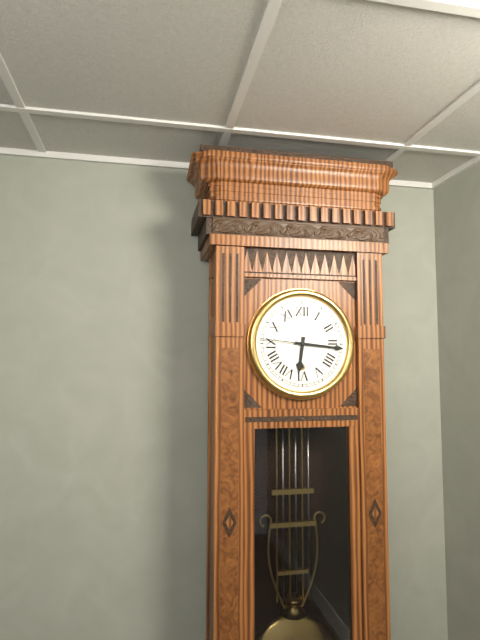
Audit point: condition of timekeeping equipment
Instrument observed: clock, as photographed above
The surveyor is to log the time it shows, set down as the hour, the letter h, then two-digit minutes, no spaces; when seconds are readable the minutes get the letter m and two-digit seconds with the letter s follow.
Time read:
6h16
